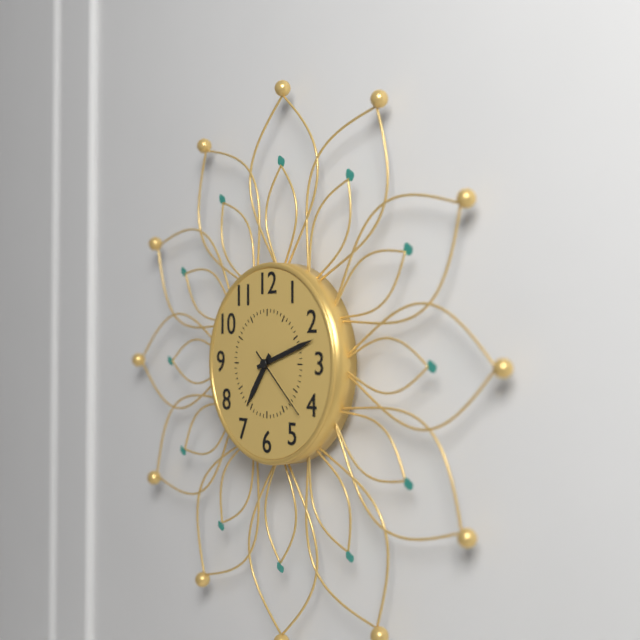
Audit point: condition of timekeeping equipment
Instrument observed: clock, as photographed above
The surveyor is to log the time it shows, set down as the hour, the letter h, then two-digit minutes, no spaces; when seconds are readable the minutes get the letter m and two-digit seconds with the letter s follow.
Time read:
7h12m22s
